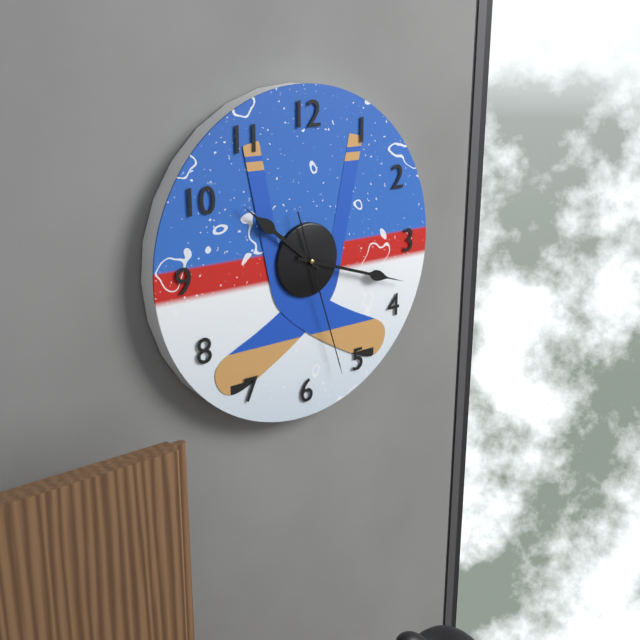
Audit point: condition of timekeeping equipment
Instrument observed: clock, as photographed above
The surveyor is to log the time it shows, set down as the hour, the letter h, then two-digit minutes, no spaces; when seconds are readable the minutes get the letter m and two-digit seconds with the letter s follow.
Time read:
10h18m27s
